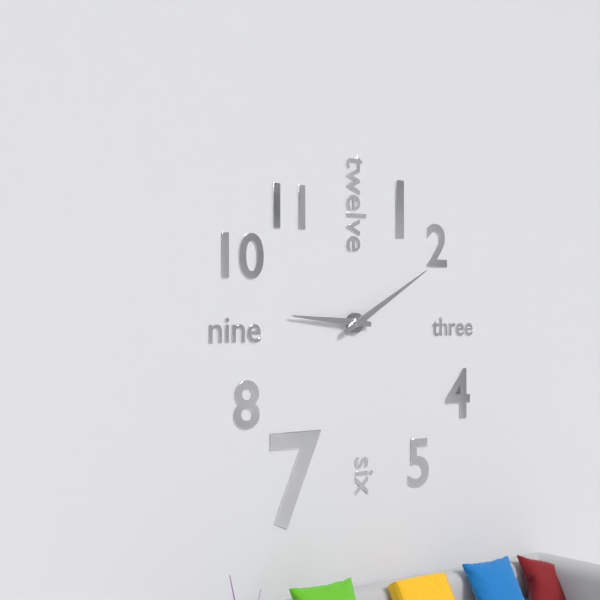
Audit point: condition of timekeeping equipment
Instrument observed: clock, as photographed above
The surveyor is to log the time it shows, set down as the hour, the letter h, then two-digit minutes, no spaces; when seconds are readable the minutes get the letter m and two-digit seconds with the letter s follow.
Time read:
9h10
